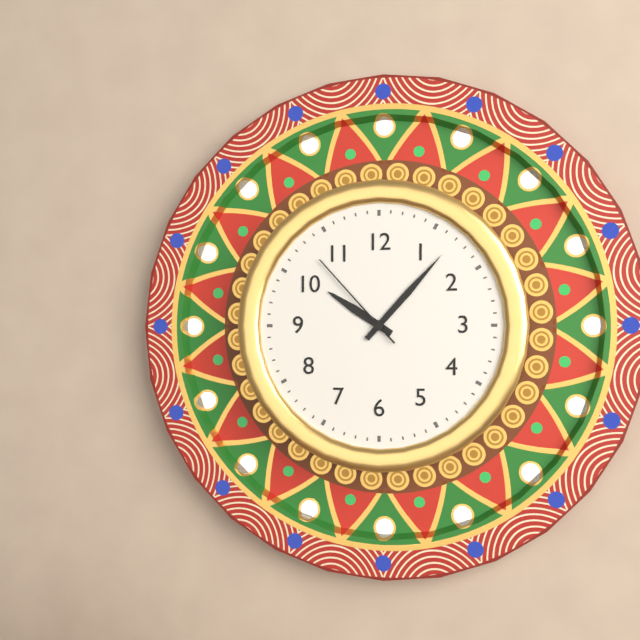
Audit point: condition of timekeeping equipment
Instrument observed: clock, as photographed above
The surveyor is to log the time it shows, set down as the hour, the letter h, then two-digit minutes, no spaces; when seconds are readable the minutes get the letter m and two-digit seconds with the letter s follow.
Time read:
10h07m53s
